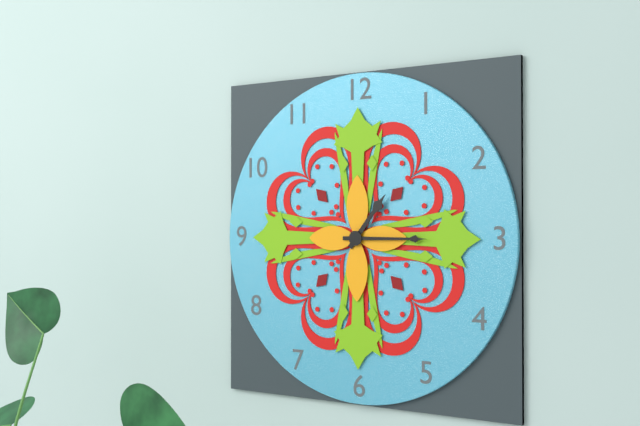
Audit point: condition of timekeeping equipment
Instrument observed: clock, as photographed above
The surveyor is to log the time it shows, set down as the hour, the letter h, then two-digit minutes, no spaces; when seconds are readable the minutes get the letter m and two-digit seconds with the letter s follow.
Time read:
1h15
